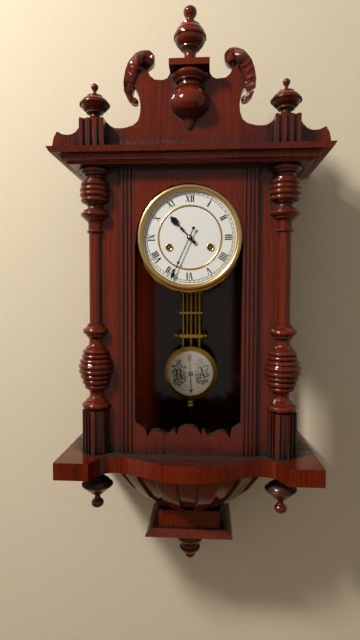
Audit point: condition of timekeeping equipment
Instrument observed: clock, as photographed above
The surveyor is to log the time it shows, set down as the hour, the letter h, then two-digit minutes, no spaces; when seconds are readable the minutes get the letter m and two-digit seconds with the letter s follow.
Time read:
10h34
